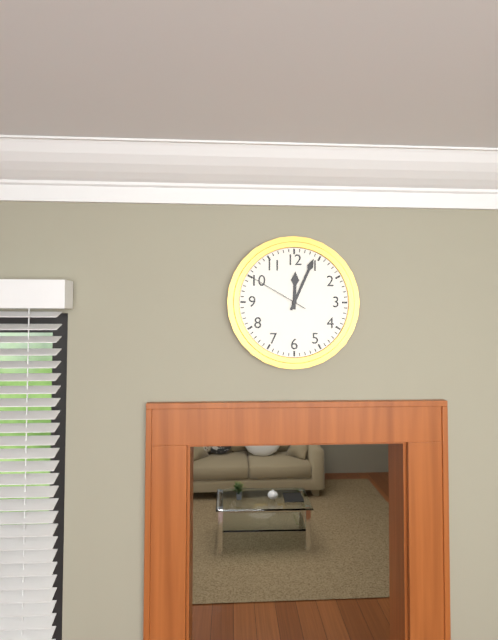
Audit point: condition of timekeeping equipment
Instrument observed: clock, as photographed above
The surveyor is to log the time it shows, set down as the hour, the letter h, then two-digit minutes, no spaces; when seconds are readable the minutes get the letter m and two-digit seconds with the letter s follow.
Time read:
12h04m50s
